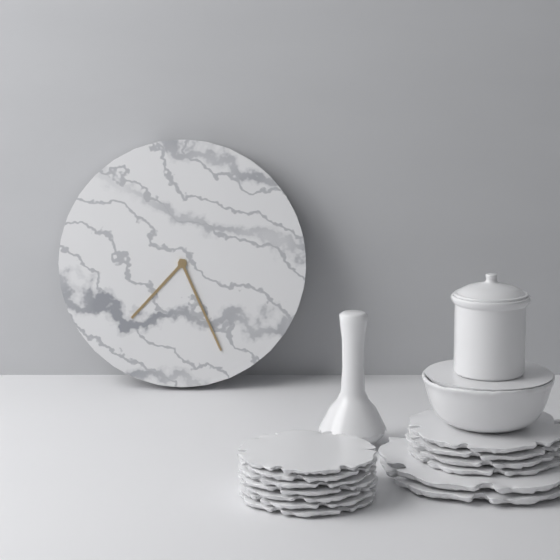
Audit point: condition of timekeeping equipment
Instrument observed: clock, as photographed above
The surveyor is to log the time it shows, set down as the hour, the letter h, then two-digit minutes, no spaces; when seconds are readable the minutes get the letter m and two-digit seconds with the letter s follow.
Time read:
7h26
